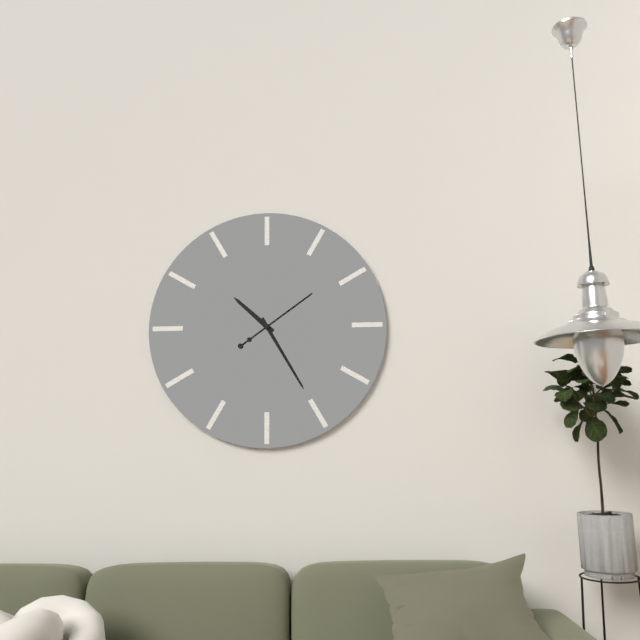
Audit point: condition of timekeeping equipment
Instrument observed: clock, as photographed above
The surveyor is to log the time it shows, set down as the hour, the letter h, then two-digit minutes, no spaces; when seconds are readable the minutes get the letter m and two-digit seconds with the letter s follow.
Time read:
10h25m09s
